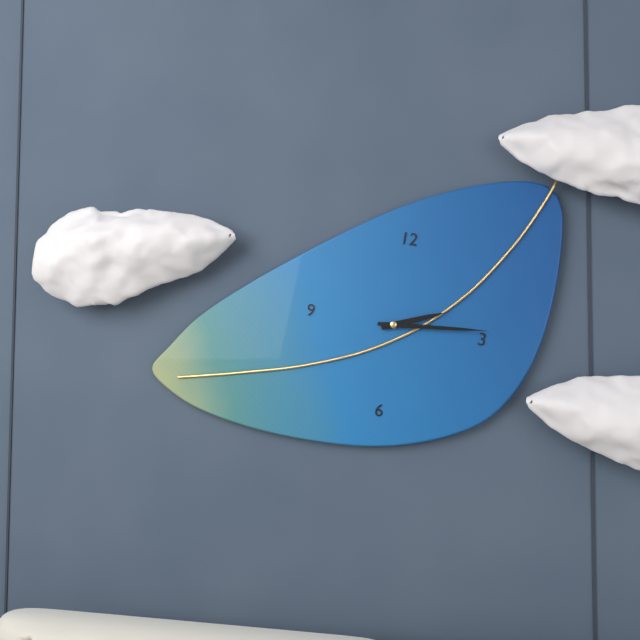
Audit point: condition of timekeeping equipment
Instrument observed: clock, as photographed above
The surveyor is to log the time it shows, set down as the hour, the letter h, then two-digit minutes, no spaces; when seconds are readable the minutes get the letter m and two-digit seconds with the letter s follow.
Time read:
2h14
